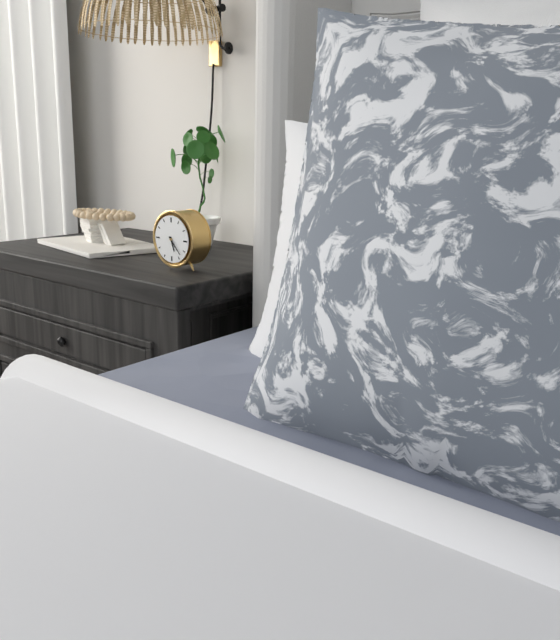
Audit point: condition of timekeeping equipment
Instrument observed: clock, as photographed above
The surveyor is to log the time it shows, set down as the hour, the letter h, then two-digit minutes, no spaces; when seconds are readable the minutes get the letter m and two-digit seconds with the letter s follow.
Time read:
5h23
